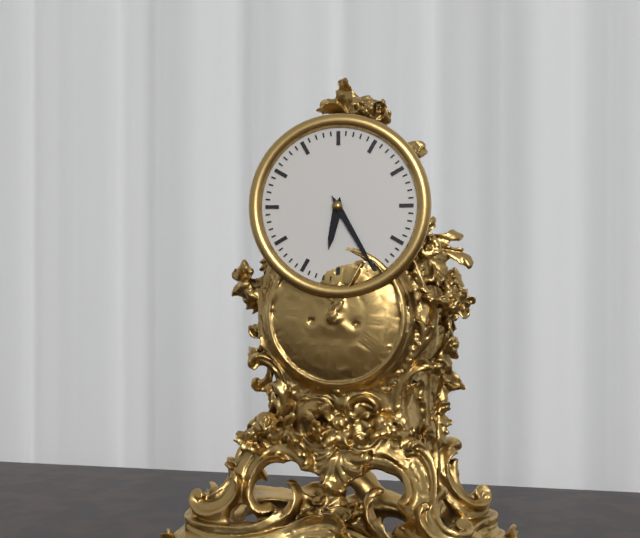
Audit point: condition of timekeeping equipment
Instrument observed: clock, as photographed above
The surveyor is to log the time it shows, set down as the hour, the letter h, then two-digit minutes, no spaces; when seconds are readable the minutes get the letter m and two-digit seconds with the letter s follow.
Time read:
6h25
